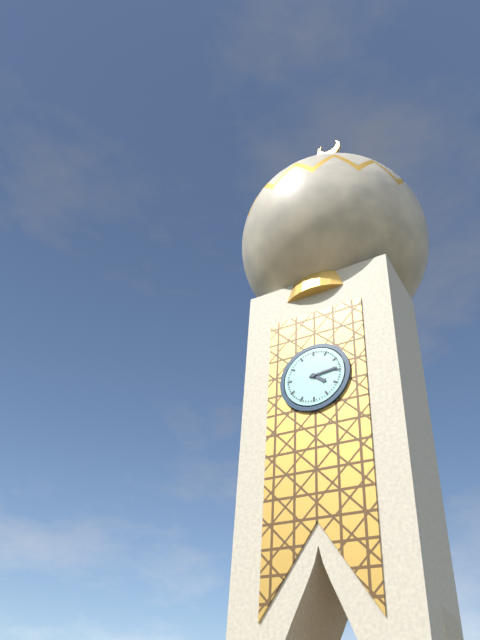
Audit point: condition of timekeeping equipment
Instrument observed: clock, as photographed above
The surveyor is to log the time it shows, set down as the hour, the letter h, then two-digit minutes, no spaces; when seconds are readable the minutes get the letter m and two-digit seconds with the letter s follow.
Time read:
4h14
